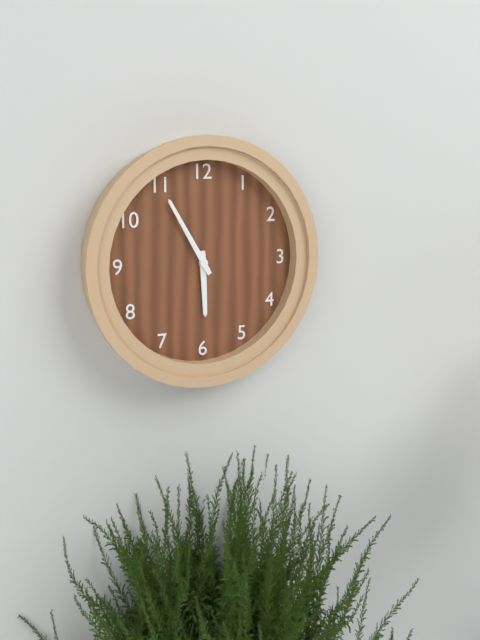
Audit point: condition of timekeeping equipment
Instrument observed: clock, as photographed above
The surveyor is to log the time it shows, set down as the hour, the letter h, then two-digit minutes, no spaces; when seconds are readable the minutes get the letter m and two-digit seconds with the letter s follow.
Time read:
5h55
